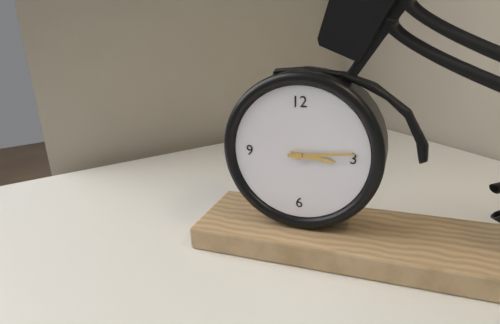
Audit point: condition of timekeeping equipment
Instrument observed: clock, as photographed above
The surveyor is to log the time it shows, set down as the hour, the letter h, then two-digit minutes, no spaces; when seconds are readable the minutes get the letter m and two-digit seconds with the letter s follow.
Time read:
3h14
